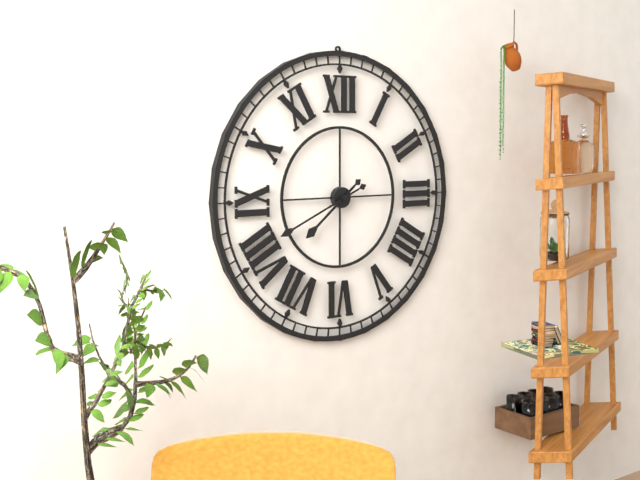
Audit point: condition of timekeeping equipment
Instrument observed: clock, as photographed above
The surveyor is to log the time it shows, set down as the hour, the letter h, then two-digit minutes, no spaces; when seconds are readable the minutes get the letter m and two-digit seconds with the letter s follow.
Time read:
7h41
